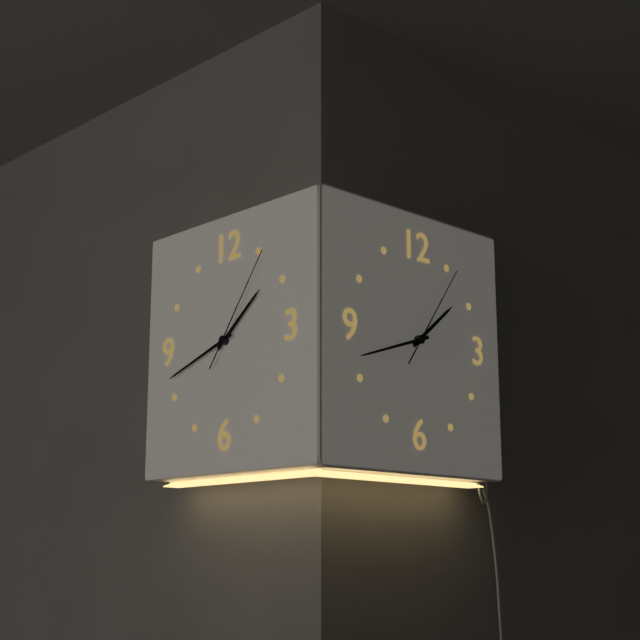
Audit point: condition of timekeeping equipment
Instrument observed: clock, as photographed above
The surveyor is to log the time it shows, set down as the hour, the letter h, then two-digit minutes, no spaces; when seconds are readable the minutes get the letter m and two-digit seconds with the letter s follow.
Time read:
1h42m06s
